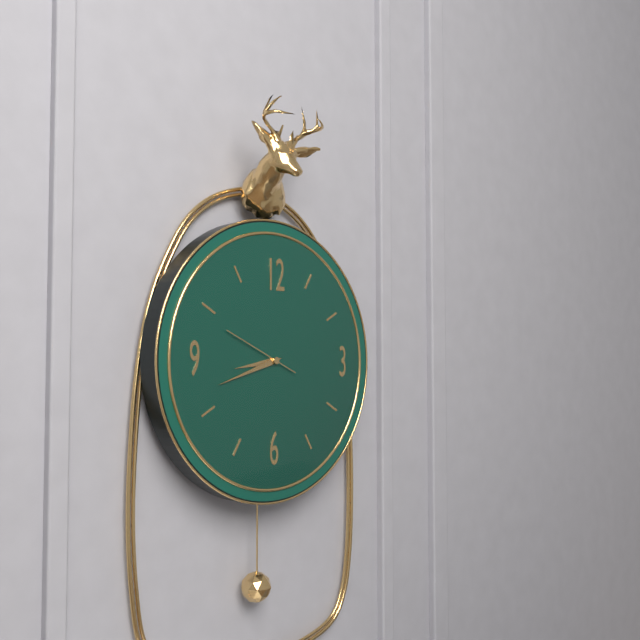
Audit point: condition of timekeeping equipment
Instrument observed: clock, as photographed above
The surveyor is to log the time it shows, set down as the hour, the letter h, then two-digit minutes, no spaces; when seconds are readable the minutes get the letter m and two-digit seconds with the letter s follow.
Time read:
8h42
